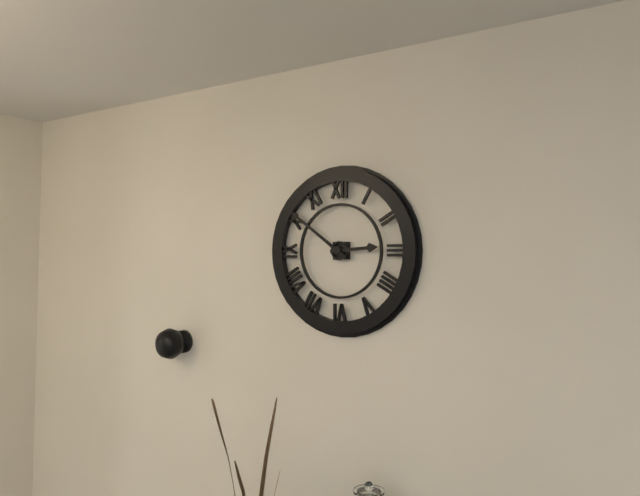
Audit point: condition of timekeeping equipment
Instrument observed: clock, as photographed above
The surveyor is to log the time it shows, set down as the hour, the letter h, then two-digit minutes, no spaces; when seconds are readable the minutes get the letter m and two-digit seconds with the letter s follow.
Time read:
2h51
